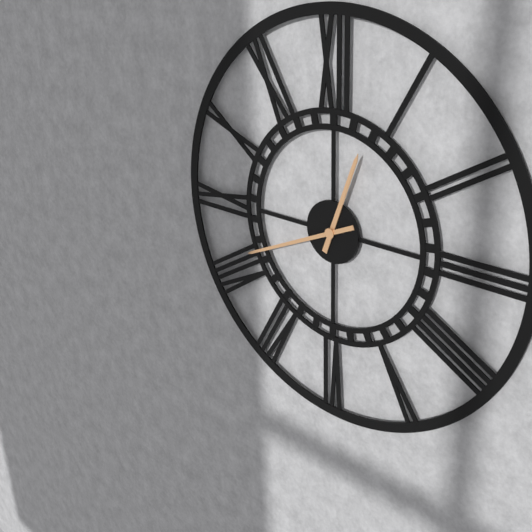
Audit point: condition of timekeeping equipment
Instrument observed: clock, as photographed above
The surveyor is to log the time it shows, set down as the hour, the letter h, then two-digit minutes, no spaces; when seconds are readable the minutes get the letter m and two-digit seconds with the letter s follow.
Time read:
12h41
